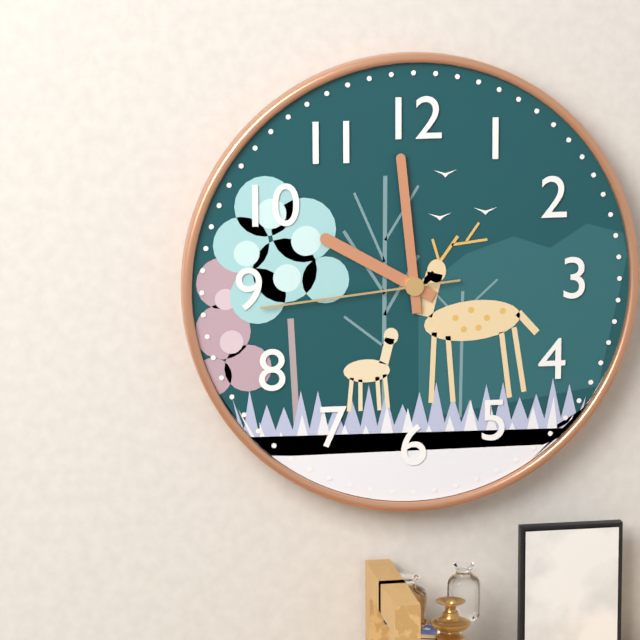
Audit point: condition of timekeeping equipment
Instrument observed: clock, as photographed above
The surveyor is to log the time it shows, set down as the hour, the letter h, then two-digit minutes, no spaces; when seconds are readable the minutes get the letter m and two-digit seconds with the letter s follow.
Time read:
9h59m44s
